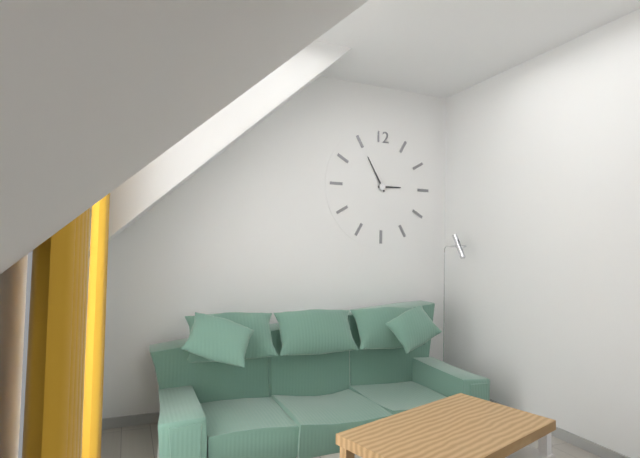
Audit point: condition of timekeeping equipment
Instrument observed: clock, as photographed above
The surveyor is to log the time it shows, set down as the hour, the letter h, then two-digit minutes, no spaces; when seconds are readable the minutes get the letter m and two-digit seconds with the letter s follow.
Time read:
2h55
